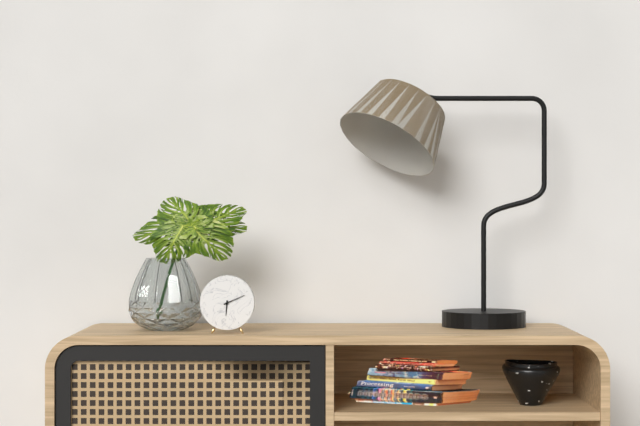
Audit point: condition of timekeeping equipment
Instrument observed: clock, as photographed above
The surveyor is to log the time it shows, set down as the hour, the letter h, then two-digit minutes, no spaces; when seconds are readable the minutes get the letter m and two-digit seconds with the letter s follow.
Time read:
6h11
